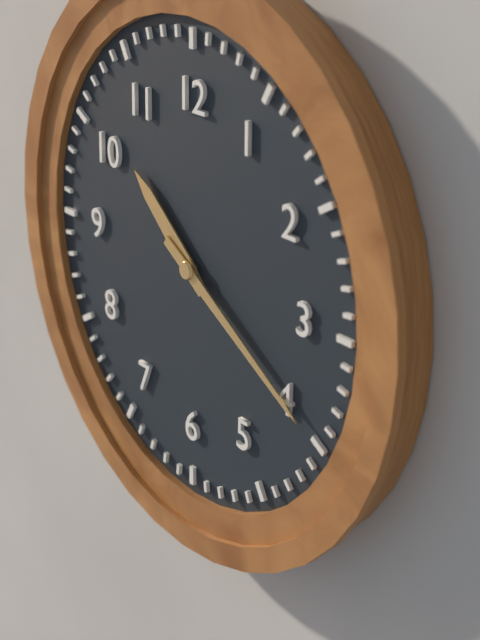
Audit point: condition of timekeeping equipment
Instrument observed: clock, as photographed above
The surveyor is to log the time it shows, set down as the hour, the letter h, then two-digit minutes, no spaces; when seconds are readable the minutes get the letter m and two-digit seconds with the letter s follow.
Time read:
10h20
